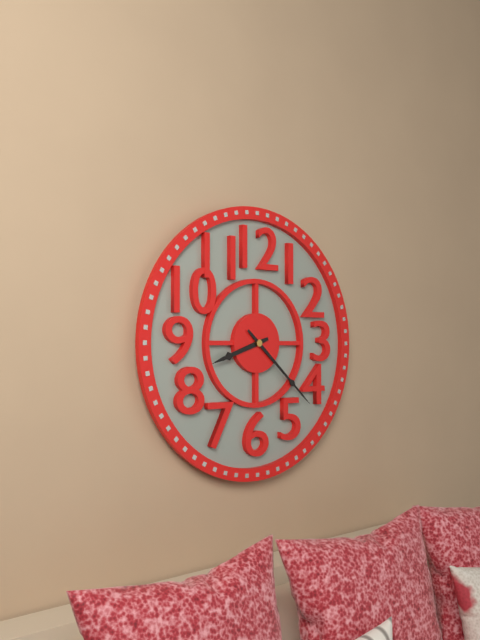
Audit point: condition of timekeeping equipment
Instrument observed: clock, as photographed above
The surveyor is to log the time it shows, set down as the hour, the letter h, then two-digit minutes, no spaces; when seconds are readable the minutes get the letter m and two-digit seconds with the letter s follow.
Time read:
8h22
